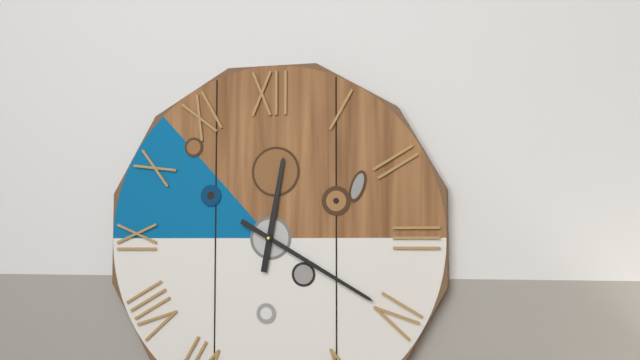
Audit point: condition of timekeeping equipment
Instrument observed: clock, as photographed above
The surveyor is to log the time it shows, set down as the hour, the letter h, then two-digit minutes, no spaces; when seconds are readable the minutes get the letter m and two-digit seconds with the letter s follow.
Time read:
12h20
